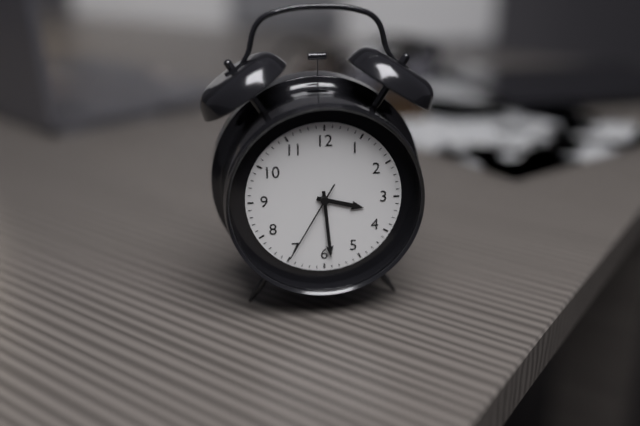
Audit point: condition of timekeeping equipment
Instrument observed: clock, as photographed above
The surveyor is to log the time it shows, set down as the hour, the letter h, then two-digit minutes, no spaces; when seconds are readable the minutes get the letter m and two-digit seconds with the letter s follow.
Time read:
3h29m35s
